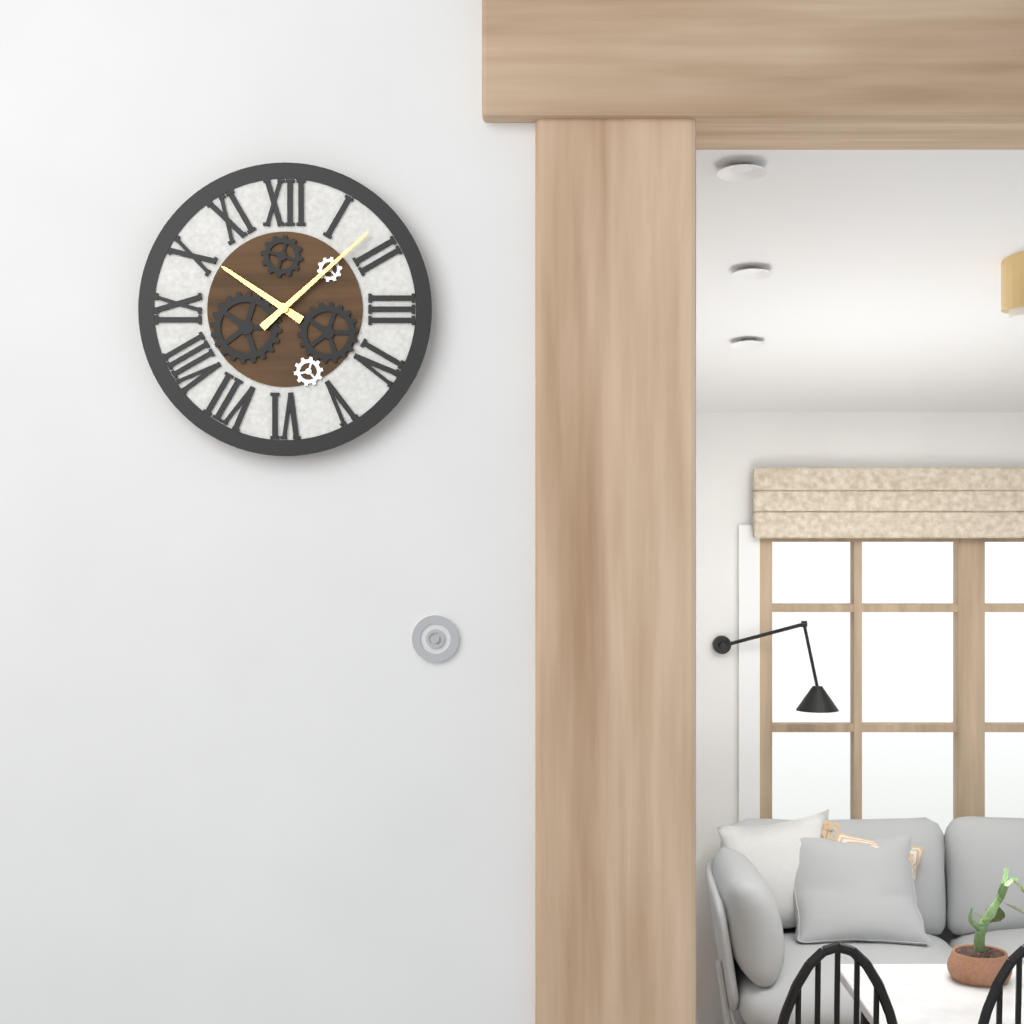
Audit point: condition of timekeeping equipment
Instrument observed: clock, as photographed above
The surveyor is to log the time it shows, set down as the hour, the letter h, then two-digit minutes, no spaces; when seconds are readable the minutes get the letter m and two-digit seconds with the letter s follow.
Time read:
10h08
